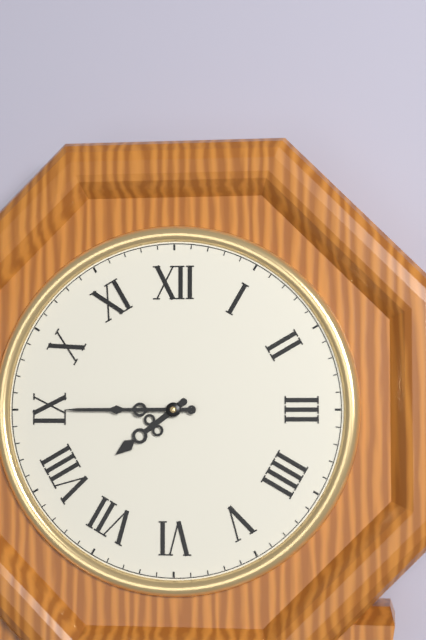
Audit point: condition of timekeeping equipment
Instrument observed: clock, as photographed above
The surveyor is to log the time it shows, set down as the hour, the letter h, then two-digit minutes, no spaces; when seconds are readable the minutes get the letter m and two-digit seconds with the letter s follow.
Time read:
7h45
